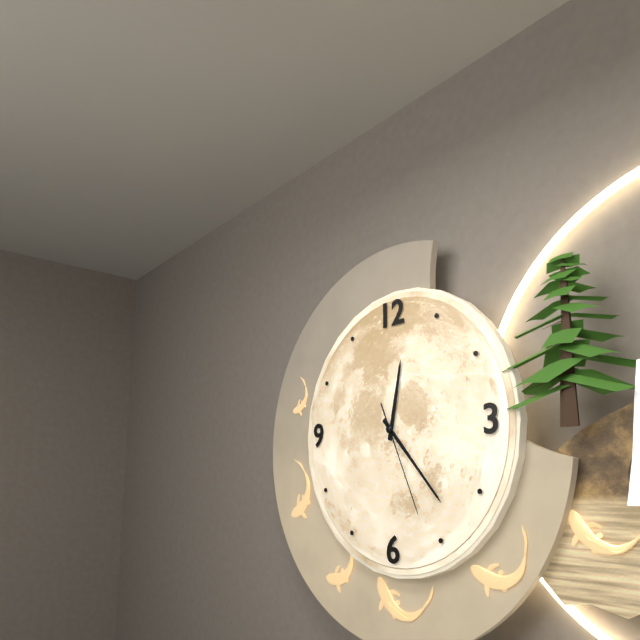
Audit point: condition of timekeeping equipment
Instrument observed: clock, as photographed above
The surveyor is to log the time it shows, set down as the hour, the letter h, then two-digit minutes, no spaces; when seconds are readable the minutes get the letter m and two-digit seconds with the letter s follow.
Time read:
12h23m26s
